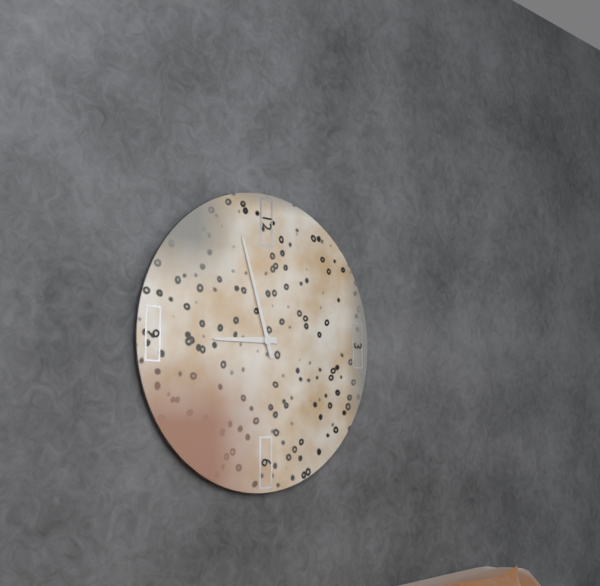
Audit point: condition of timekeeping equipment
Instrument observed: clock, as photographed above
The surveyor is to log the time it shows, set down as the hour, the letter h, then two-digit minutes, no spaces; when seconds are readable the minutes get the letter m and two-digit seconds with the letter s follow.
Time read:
8h57
